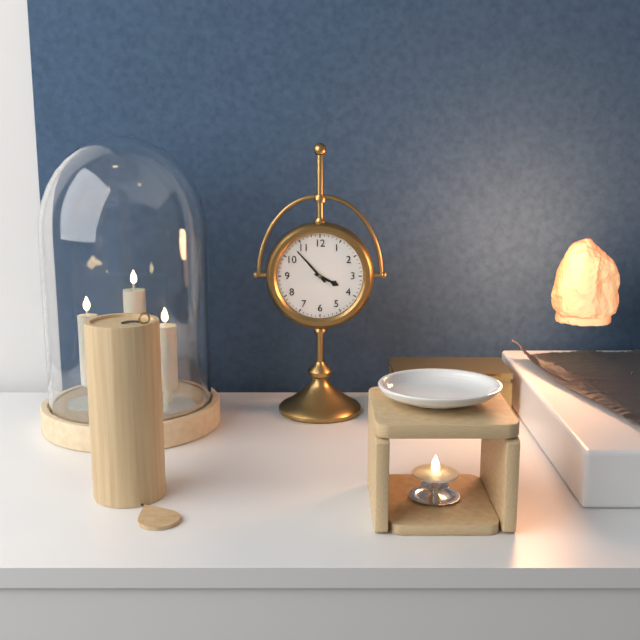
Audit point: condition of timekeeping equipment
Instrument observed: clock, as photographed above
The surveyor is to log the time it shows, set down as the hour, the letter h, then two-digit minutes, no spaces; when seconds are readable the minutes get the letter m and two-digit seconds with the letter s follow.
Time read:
3h53
